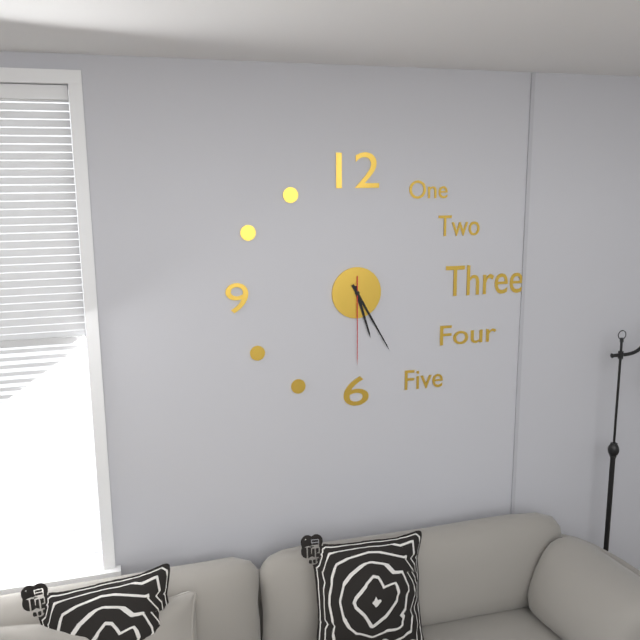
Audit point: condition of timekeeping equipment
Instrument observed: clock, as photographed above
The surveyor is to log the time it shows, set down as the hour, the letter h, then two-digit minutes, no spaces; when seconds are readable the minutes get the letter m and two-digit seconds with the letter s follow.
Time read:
5h25m30s
